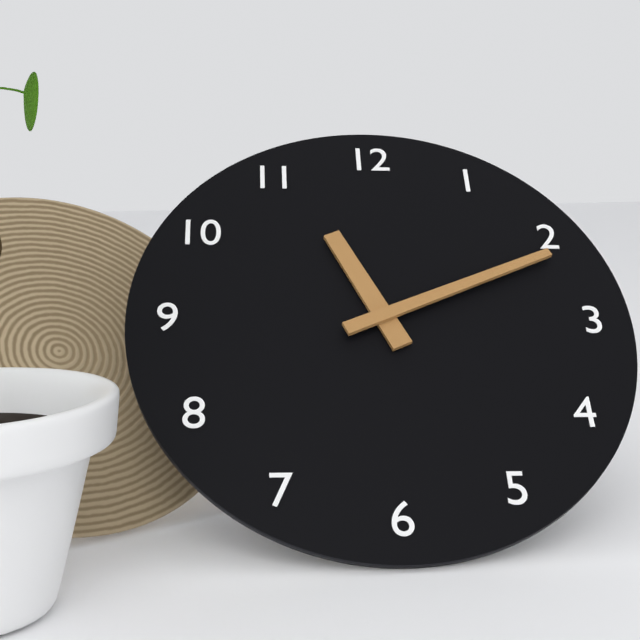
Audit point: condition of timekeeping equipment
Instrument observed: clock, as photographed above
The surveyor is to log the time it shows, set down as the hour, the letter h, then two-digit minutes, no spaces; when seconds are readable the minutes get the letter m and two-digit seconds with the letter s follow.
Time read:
11h11
